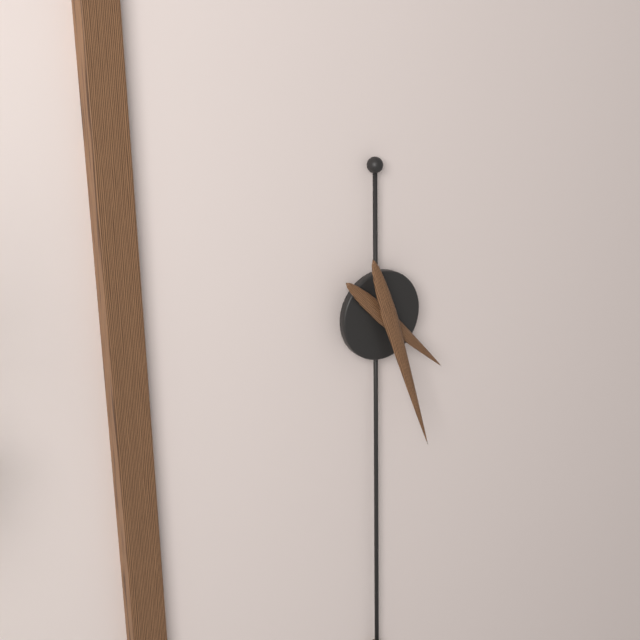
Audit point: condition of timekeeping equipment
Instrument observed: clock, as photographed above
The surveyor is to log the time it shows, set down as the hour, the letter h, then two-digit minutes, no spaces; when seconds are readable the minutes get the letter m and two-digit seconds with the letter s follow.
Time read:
4h27
